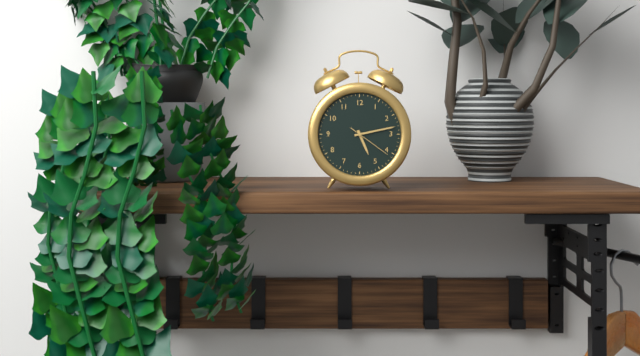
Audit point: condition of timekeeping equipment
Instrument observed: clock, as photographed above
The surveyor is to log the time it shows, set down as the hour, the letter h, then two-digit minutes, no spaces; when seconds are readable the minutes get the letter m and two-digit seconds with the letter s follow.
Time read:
5h13
